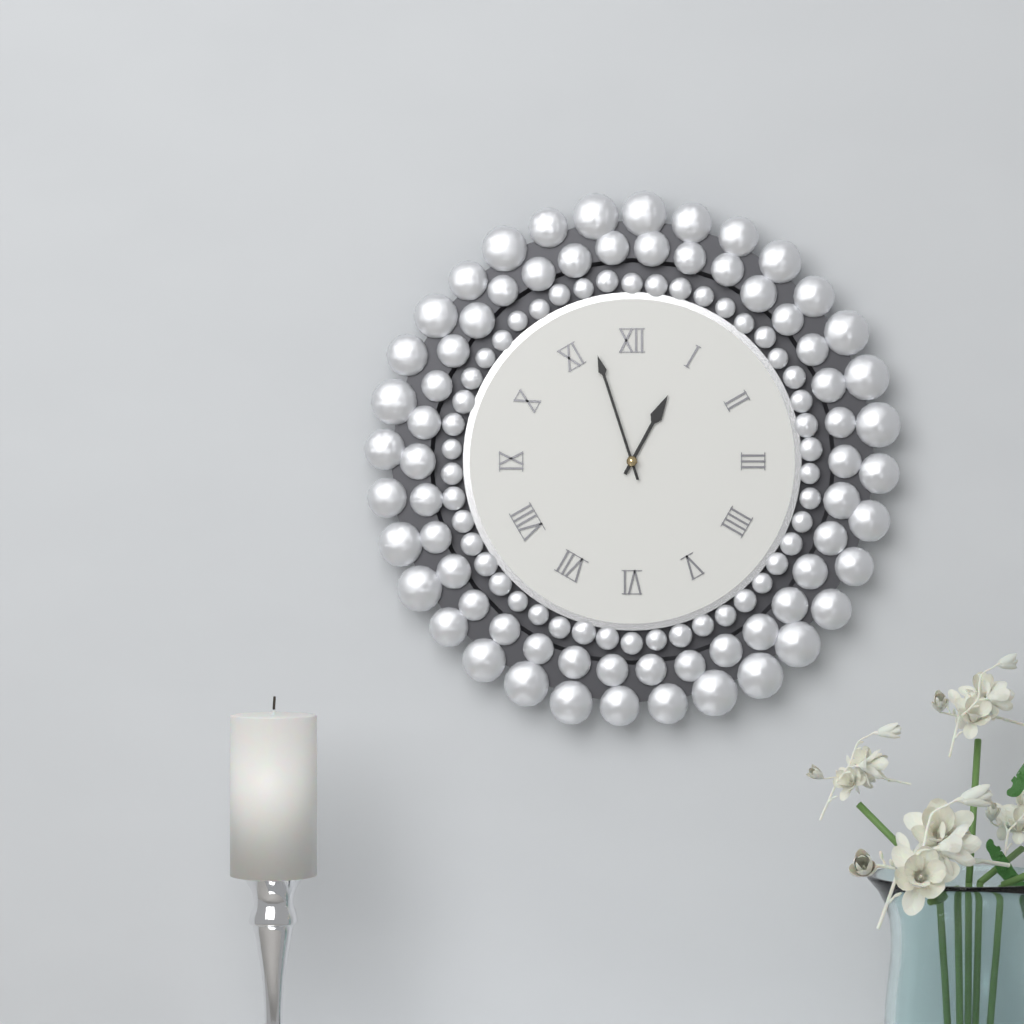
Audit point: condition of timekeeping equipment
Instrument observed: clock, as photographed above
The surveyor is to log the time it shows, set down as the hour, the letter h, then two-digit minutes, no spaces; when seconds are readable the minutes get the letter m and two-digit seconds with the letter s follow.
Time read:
12h57
